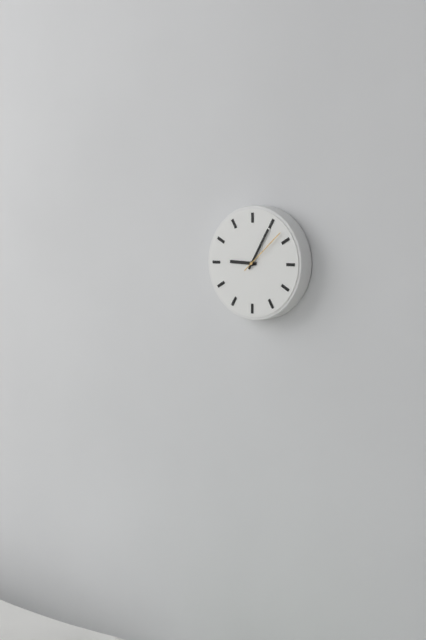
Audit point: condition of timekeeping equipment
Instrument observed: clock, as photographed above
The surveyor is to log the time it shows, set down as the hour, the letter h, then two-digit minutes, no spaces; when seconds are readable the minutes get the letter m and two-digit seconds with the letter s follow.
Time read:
9h05m08s
